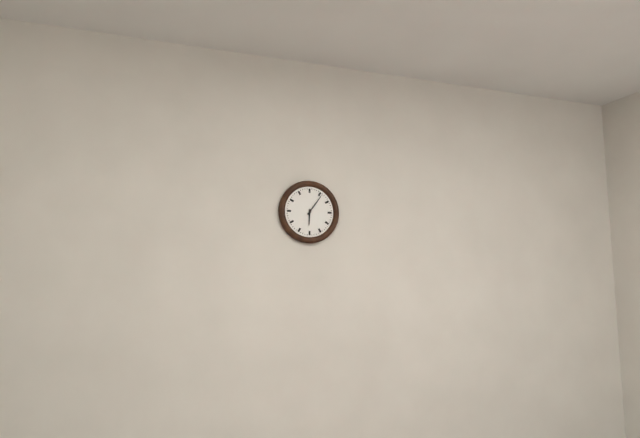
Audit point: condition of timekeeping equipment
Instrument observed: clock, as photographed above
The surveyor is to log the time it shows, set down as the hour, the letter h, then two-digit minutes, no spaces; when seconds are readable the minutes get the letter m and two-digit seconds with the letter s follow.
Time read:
6h06
